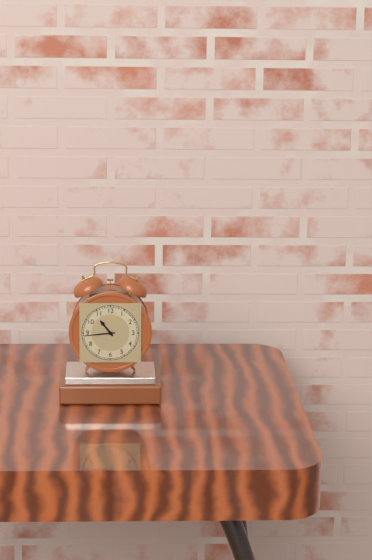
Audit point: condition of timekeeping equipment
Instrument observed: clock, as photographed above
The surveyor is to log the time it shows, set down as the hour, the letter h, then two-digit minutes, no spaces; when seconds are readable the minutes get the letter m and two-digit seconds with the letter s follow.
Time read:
10h44
